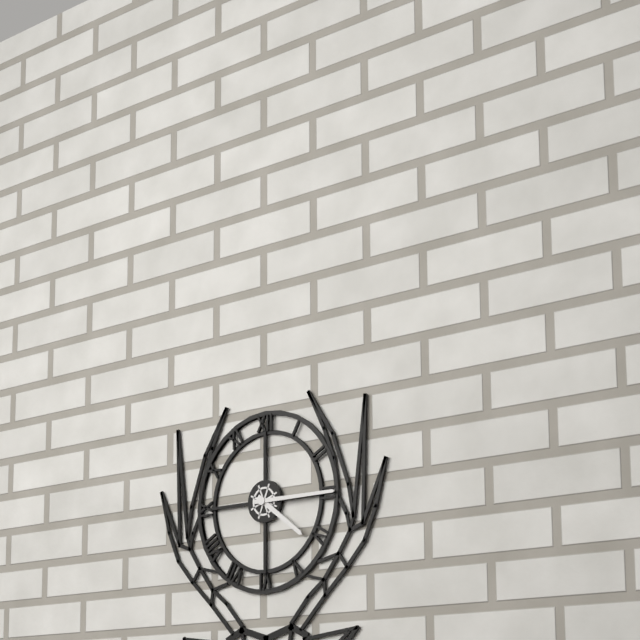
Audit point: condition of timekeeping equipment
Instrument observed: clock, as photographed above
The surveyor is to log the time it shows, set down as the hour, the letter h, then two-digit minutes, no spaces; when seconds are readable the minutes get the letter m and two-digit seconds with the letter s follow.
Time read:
4h15
